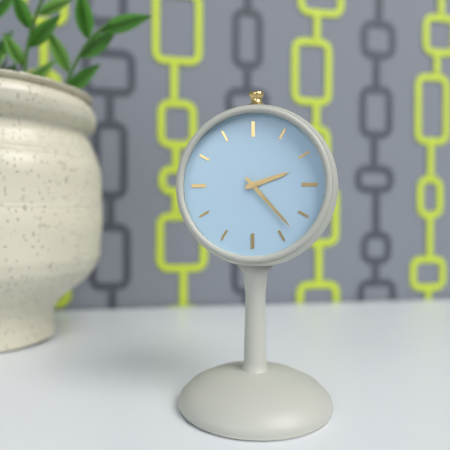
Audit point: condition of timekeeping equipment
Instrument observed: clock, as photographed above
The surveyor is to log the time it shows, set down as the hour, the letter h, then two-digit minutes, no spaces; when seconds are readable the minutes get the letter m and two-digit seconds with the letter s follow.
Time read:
2h23
